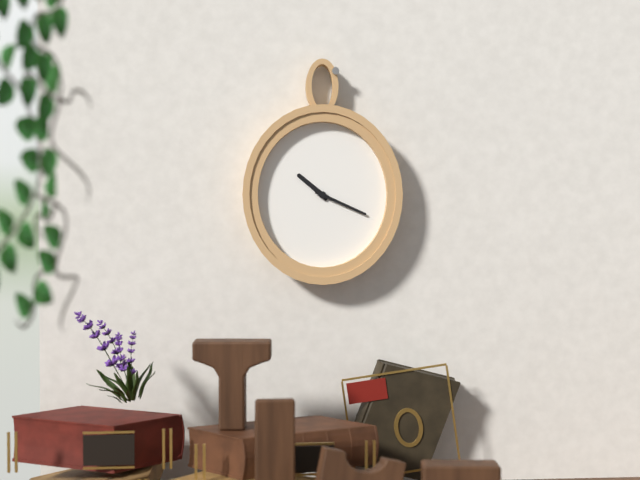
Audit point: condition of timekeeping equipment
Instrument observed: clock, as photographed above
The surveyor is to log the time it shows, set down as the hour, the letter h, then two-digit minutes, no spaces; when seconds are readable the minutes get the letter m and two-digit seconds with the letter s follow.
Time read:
10h19
